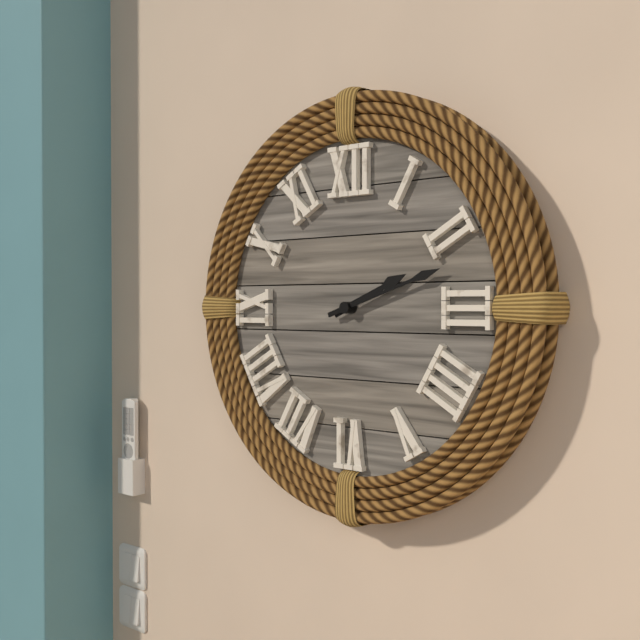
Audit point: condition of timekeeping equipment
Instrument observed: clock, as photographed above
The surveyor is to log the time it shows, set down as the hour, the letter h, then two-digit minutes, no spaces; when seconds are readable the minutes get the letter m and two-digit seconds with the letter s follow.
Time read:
2h12
